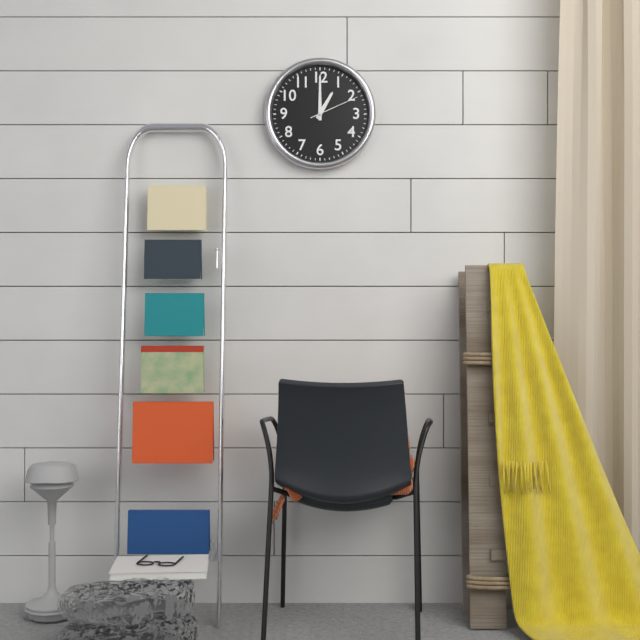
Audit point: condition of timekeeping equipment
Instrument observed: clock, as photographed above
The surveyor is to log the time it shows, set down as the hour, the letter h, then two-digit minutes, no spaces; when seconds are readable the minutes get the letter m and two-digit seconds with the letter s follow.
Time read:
1h00m11s
